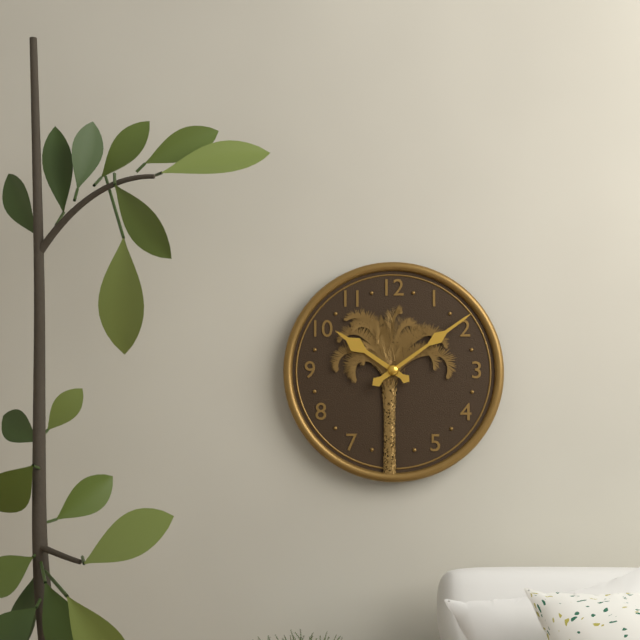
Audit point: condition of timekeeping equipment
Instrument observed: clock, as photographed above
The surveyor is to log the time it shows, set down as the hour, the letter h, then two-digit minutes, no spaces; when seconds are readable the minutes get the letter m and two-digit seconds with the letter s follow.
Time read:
10h09
